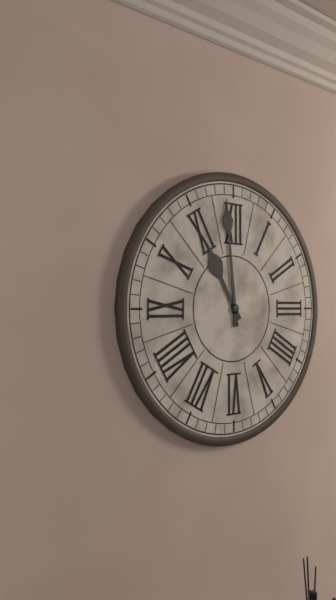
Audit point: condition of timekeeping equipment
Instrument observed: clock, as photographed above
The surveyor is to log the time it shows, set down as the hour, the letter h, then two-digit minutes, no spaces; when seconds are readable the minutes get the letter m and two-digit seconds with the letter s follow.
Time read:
10h59
